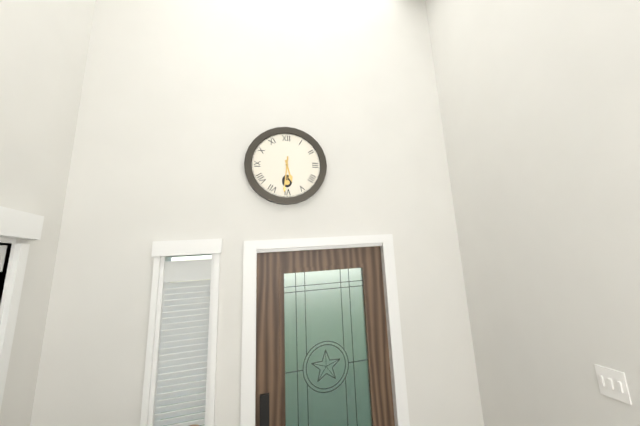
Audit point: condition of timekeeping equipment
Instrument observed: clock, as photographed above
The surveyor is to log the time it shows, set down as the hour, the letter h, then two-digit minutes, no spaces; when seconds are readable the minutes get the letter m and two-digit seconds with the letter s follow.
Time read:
5h31
